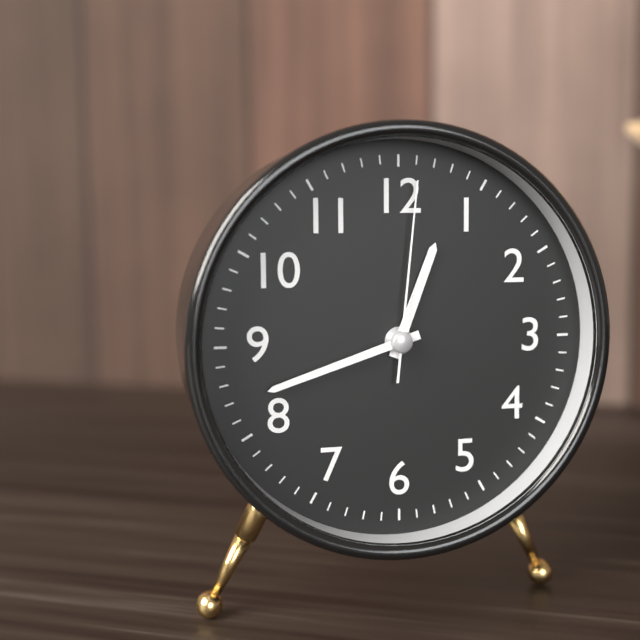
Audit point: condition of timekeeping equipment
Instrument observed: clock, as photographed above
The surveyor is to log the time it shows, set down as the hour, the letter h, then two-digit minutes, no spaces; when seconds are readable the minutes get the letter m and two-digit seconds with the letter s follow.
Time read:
12h42m01s
